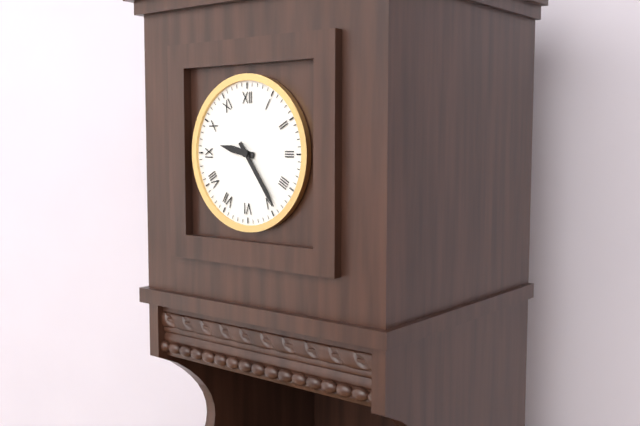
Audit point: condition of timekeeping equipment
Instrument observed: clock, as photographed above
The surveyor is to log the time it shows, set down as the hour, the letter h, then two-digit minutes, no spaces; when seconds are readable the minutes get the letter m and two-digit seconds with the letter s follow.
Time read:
9h24
